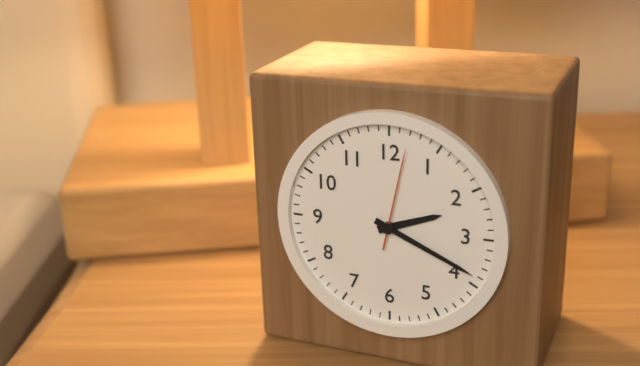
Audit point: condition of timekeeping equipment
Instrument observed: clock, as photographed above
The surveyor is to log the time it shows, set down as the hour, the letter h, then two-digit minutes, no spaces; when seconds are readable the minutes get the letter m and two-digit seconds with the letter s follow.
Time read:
2h19m02s
